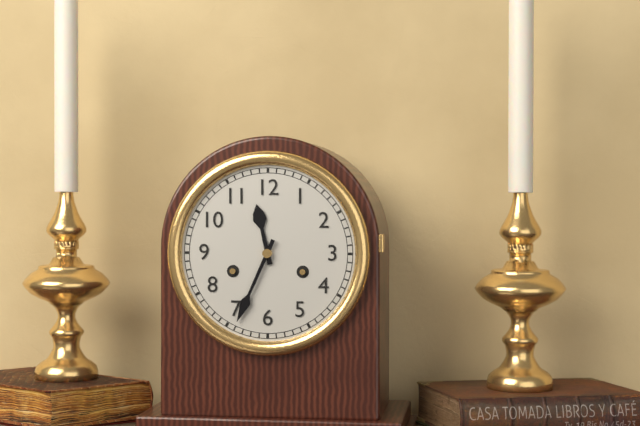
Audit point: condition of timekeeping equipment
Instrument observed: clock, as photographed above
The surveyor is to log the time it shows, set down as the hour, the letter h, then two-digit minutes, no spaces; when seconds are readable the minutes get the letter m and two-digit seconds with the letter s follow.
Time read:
11h34
